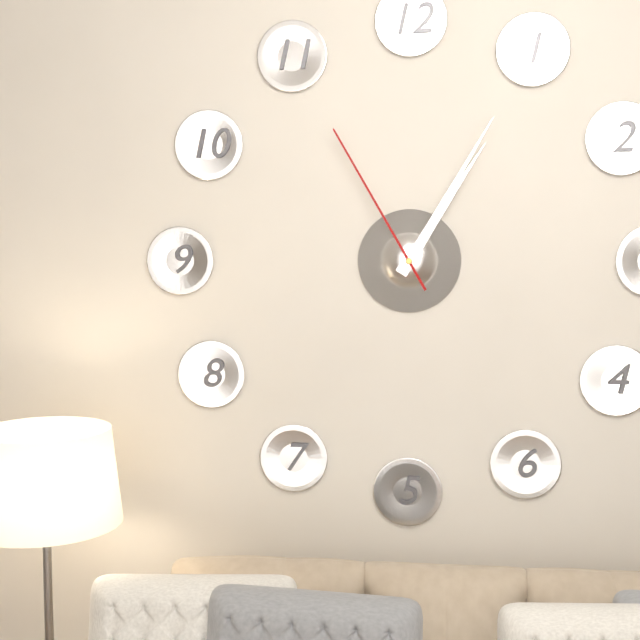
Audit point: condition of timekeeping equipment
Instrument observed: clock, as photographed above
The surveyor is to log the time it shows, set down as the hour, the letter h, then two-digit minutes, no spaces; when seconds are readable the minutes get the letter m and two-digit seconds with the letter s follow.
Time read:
1h05m55s
